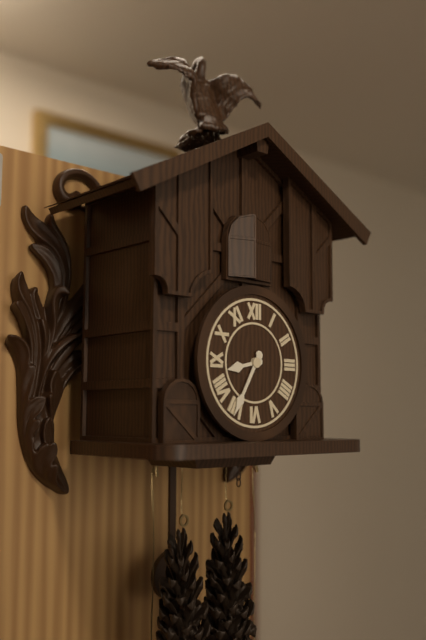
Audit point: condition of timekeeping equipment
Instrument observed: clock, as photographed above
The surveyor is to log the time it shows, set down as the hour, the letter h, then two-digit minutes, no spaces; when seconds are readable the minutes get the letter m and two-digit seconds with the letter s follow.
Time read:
8h35
